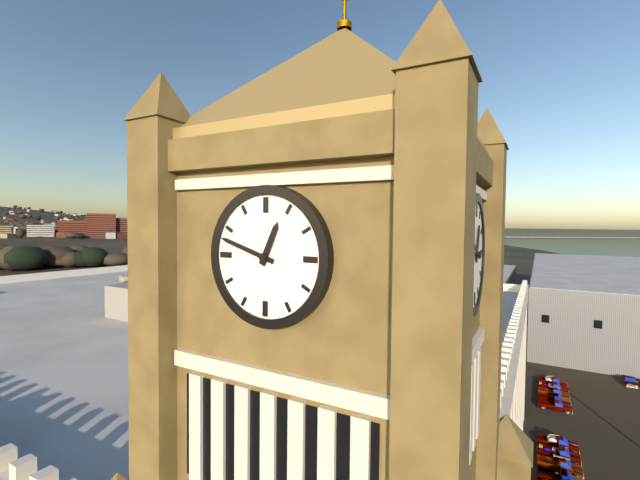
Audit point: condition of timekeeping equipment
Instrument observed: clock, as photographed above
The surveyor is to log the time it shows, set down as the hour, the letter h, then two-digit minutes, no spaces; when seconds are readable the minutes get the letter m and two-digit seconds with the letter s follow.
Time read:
12h48
